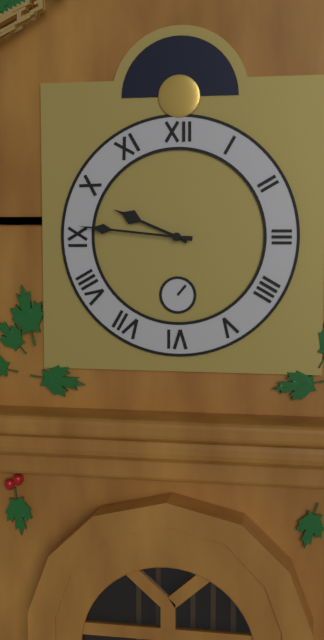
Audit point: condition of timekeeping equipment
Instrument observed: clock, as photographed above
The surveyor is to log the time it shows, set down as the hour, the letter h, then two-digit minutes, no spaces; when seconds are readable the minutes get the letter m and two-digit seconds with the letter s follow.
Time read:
9h46
